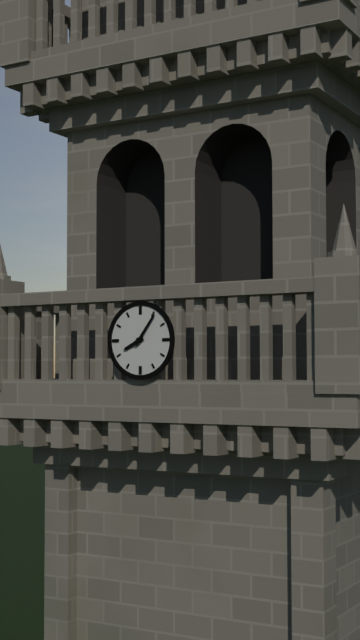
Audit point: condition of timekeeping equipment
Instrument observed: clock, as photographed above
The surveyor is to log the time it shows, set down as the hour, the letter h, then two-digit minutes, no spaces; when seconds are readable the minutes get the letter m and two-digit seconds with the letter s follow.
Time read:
8h06
